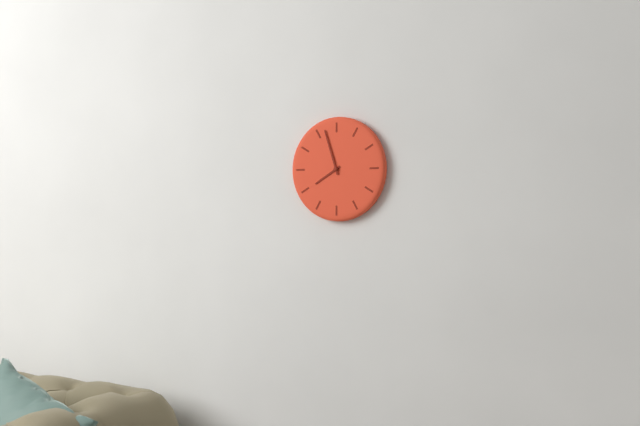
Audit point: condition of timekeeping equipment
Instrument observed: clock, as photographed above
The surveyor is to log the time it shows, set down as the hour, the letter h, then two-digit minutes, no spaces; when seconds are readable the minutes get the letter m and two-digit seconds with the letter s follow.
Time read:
7h57
